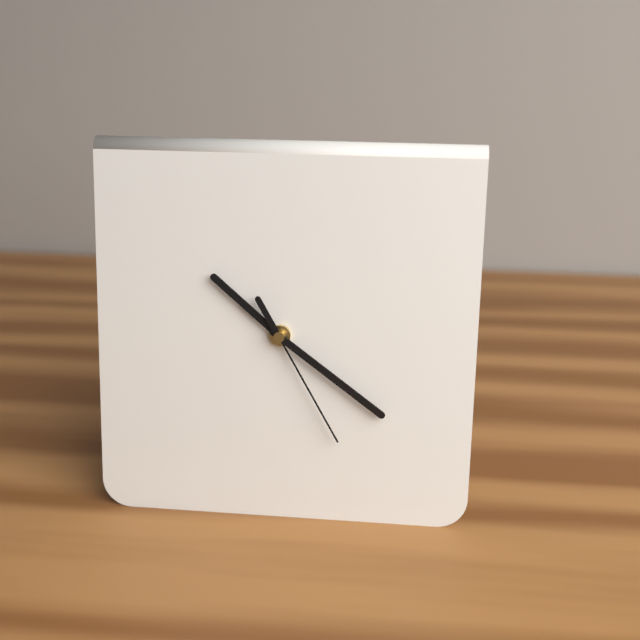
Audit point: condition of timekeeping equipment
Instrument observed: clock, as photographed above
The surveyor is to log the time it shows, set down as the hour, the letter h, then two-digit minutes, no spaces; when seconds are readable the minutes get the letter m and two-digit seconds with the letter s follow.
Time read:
10h21m25s
